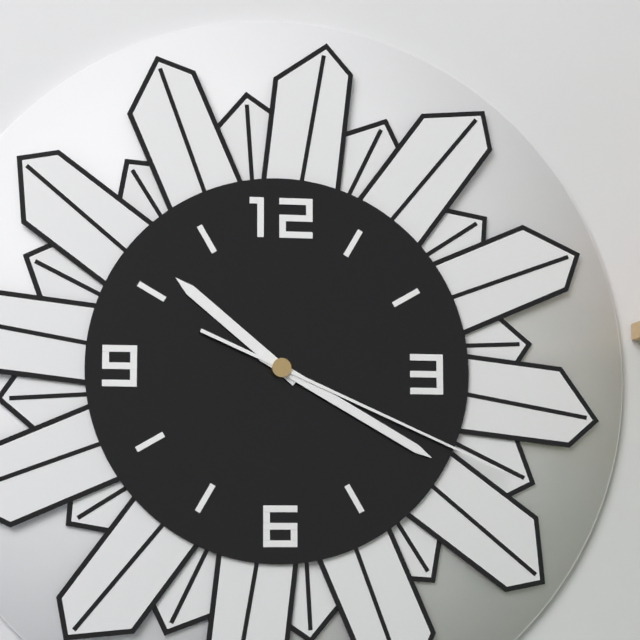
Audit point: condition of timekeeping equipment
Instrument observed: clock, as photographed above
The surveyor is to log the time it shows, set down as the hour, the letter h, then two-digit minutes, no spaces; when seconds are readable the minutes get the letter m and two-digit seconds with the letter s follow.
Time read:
10h20m19s
